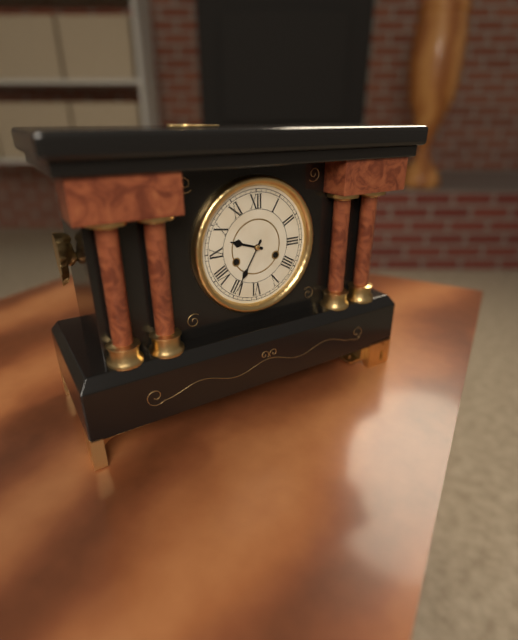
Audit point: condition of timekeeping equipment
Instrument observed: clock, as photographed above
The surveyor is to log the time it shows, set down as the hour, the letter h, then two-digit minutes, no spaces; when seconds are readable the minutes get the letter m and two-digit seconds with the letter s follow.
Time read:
9h35
